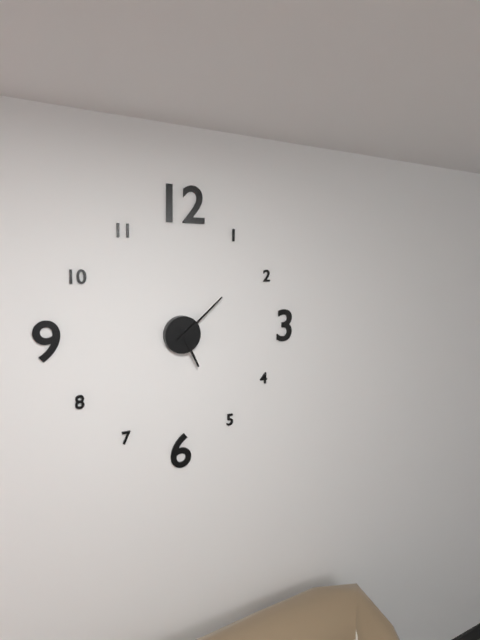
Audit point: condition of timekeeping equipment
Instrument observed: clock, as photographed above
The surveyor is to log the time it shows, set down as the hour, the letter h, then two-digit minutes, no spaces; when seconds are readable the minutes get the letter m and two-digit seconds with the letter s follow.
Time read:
5h08
